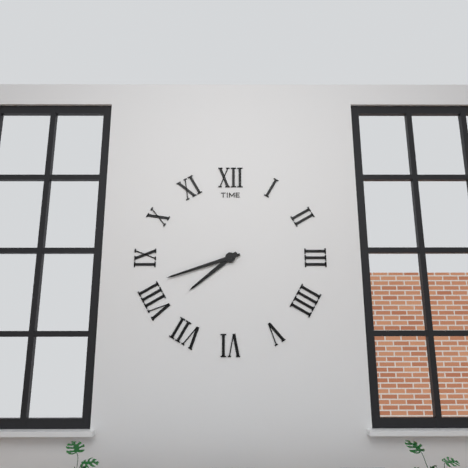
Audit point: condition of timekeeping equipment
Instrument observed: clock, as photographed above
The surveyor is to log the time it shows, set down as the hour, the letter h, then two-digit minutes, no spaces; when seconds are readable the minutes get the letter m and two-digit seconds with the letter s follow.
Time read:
7h42
